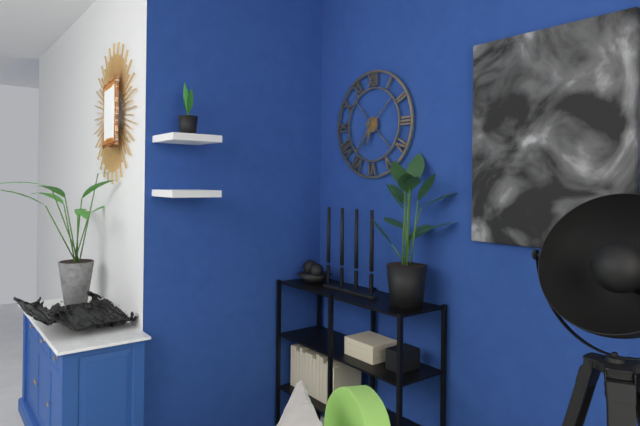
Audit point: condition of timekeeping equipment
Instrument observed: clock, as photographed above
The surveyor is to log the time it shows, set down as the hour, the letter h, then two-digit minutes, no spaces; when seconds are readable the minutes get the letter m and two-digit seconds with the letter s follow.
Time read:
6h36
